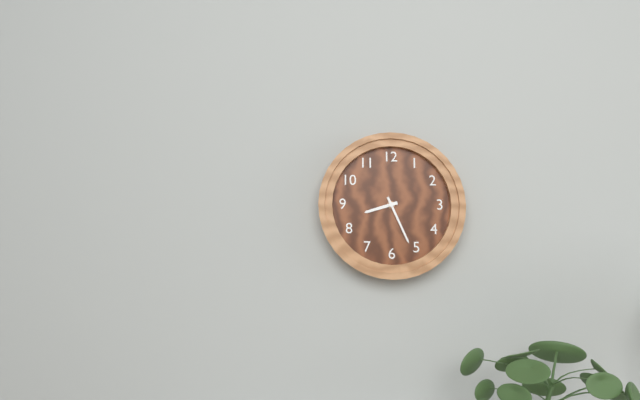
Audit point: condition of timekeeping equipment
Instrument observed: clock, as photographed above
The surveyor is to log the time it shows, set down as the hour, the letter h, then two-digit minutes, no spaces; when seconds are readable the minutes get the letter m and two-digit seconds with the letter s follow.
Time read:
8h26
